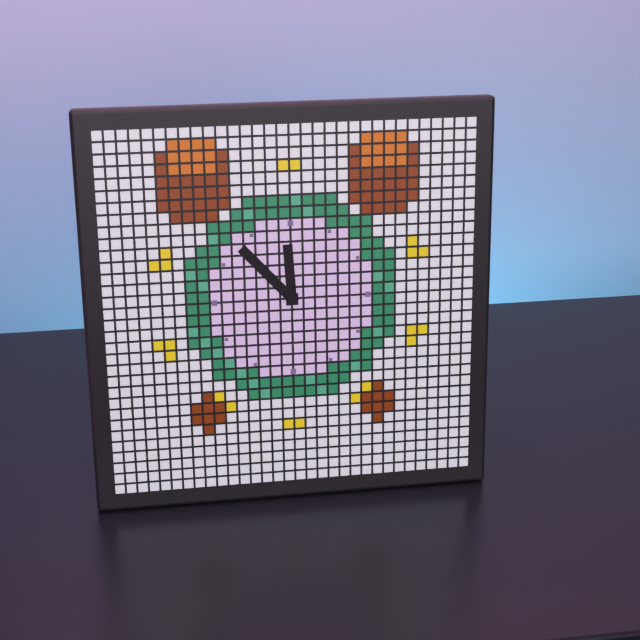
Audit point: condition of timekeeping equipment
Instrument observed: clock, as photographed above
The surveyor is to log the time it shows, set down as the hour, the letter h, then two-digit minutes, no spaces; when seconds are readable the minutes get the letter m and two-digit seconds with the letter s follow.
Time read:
11h53
